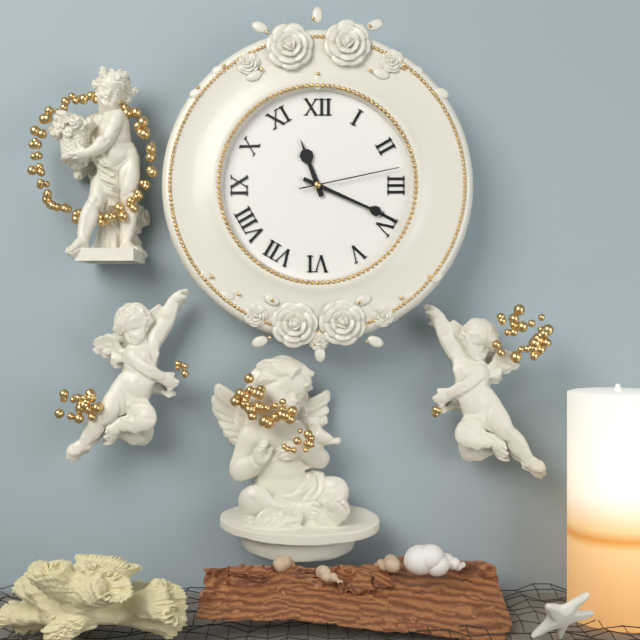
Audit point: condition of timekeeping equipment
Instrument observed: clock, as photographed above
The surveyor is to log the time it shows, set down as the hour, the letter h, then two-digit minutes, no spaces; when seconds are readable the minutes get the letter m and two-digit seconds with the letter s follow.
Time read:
11h19m13s
